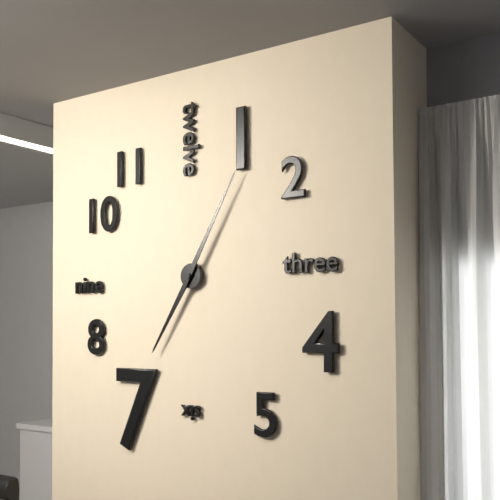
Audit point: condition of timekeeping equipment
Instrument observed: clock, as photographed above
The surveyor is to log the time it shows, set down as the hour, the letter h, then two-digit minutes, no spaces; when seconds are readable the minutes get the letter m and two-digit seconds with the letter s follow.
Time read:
7h05
